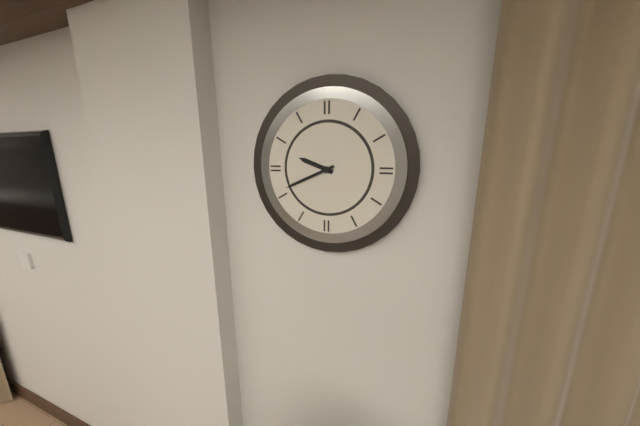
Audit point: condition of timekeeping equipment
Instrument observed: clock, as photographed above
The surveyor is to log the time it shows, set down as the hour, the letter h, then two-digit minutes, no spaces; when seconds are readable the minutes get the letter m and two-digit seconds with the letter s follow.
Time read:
9h41
